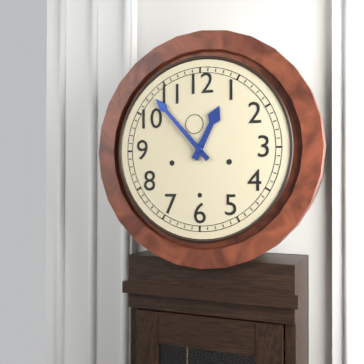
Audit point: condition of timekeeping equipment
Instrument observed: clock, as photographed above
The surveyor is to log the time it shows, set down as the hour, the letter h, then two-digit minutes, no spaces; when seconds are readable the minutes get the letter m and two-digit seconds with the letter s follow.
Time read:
12h53
